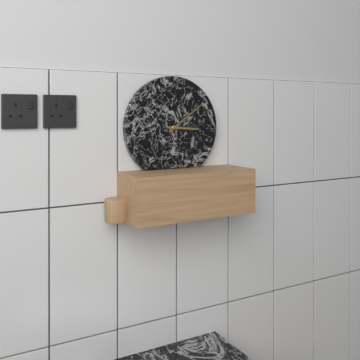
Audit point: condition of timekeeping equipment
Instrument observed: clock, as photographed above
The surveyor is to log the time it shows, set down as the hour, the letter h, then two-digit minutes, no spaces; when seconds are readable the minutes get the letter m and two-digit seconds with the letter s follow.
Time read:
3h09
